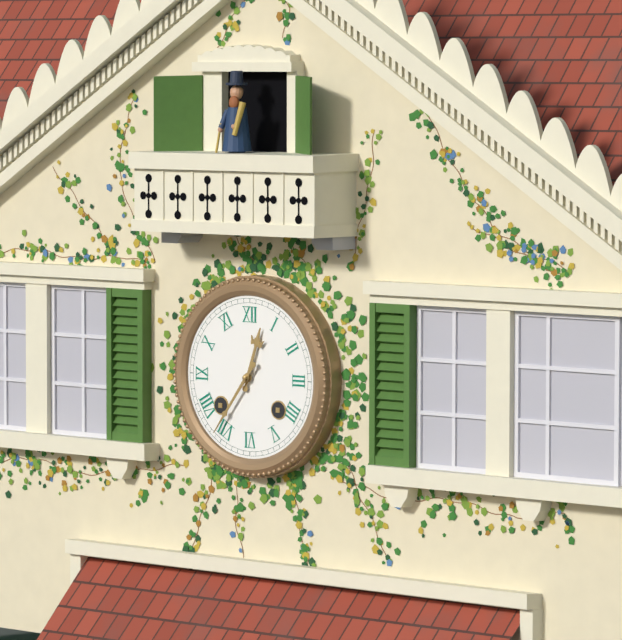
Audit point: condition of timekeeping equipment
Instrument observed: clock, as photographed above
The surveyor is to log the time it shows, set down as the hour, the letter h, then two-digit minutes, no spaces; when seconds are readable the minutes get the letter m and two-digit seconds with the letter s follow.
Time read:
12h36
